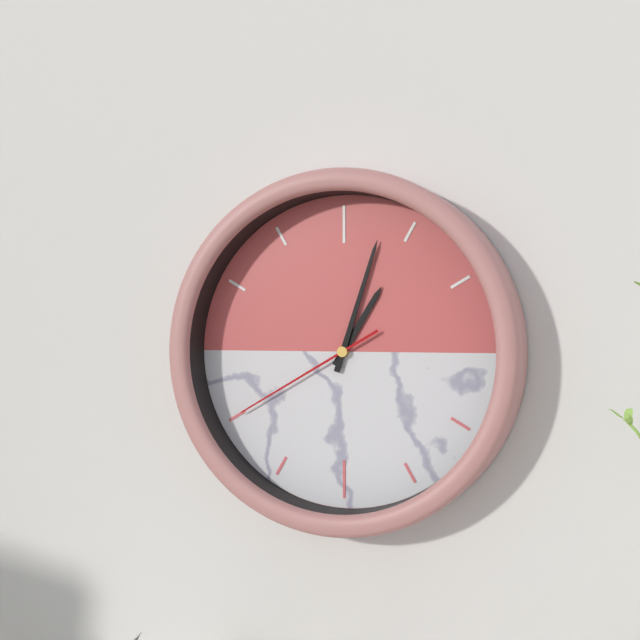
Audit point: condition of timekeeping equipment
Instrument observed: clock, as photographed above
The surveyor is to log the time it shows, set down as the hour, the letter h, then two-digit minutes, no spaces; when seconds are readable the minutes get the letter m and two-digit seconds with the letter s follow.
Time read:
1h03m40s
